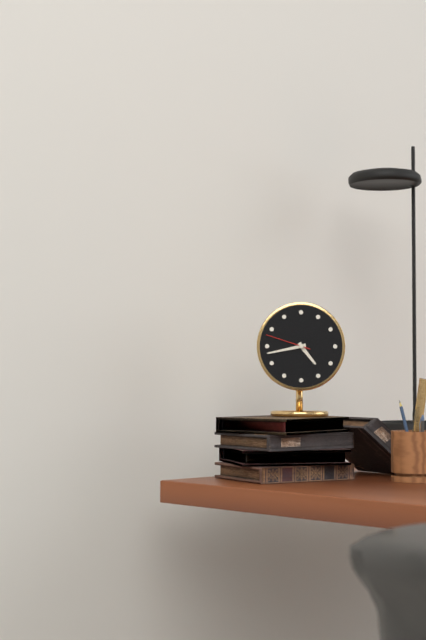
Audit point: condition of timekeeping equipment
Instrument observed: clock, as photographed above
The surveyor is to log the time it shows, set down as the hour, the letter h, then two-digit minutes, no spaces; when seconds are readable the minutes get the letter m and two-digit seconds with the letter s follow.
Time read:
4h43
